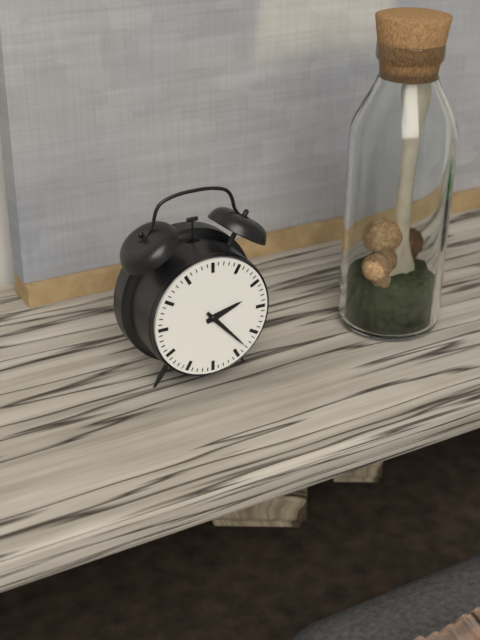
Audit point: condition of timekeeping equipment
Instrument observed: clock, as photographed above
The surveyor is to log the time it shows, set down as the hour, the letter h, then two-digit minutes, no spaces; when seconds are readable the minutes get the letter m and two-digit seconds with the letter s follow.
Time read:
2h23
